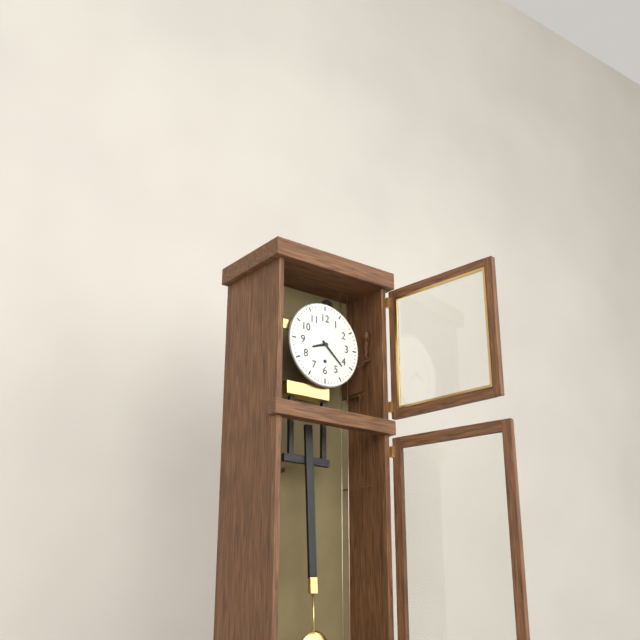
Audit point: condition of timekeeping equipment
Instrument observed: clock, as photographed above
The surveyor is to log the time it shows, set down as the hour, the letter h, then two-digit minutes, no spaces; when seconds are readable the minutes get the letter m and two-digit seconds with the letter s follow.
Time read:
8h22
